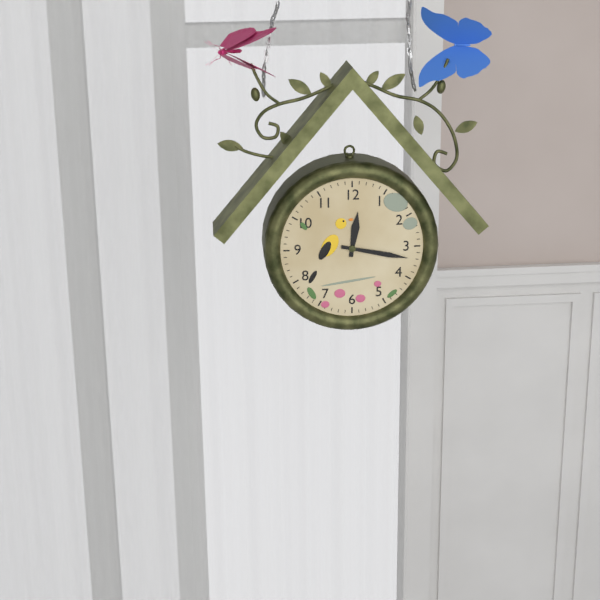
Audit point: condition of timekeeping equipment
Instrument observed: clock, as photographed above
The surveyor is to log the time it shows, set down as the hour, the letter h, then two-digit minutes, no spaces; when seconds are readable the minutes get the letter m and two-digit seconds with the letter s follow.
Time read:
12h17
